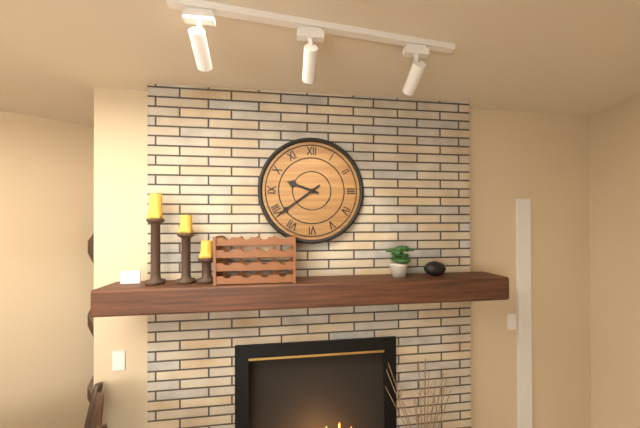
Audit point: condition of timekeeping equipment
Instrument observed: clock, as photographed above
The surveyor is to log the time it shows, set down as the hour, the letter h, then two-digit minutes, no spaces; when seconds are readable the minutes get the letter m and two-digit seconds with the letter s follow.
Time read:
9h39
